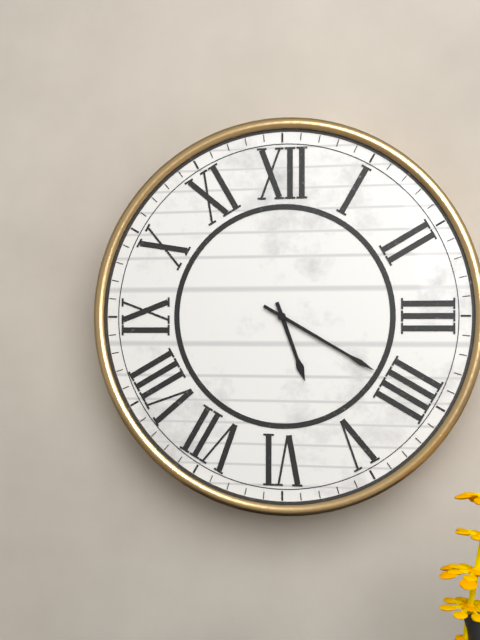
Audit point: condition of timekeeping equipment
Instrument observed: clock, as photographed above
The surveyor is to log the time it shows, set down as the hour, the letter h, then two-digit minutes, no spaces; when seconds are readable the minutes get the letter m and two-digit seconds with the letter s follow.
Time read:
5h20
